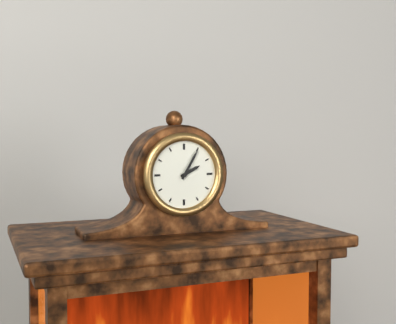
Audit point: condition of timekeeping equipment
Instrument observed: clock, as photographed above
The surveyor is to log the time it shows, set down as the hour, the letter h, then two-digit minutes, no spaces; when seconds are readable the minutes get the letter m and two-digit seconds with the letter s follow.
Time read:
2h05
